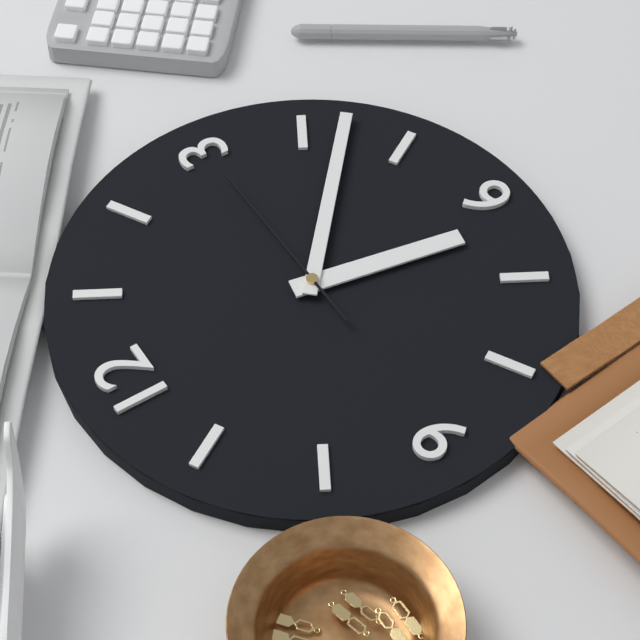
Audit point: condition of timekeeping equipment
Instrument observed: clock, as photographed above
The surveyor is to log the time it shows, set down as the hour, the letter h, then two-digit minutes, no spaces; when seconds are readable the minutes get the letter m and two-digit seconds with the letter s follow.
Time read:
6h22m15s
